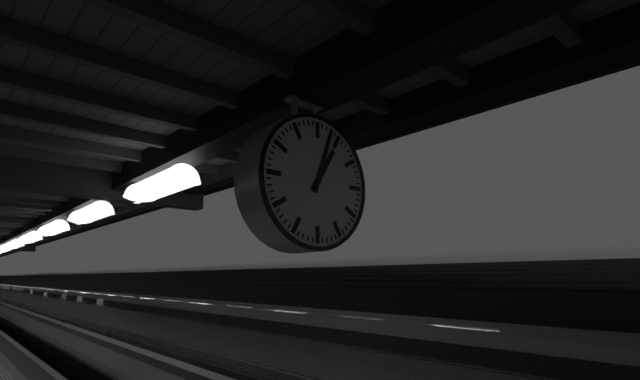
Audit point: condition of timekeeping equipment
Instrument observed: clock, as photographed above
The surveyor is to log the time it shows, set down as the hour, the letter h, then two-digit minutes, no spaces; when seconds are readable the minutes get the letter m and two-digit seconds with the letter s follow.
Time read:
1h03
